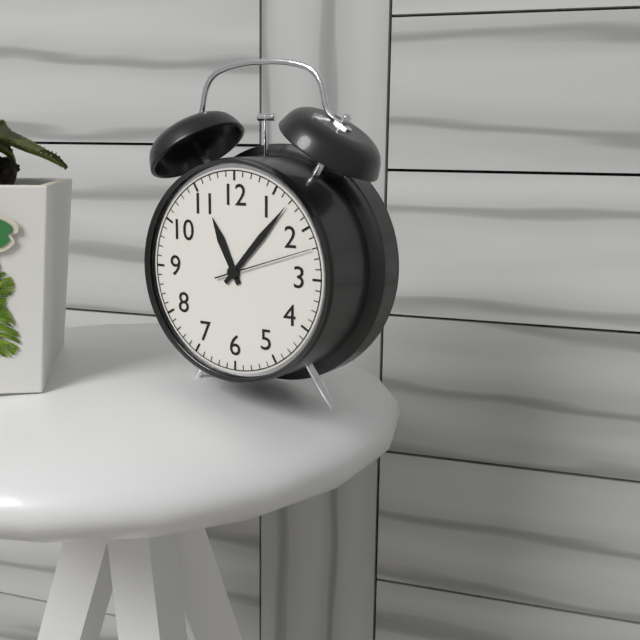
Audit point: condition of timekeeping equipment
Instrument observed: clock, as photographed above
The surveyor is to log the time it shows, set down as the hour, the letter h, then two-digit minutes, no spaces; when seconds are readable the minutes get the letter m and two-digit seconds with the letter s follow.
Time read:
11h07m12s
